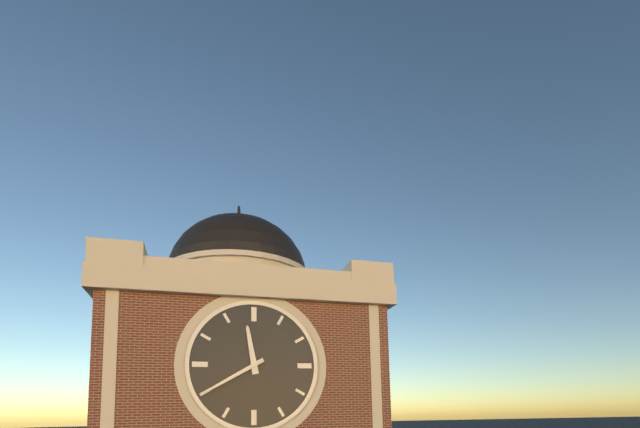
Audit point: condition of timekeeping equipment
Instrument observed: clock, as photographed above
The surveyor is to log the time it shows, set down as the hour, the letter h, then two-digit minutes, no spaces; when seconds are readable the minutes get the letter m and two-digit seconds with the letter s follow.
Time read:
11h40
